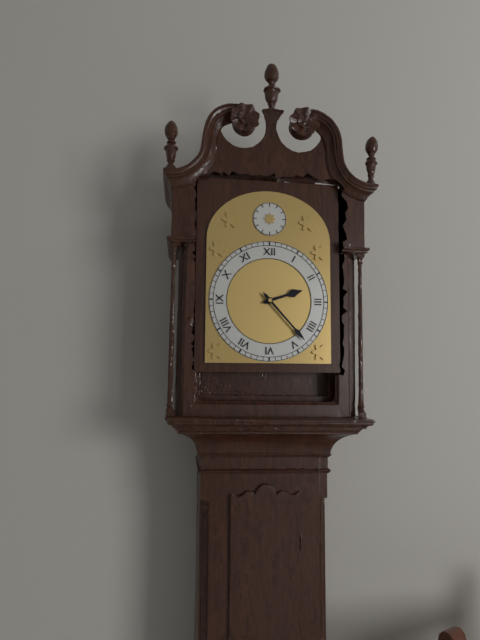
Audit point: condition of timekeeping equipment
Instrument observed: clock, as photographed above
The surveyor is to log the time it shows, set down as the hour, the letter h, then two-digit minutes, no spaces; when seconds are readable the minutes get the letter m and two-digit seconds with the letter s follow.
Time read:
2h23
